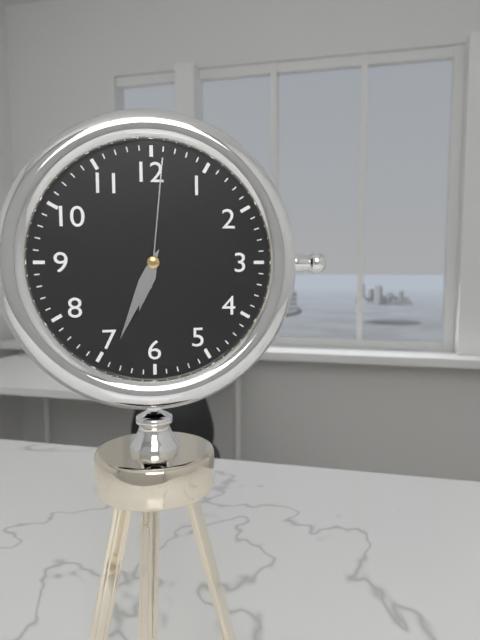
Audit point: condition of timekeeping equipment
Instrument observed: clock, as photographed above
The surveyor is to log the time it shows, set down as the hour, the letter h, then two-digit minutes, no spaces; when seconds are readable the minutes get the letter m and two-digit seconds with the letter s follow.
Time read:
6h34m01s
